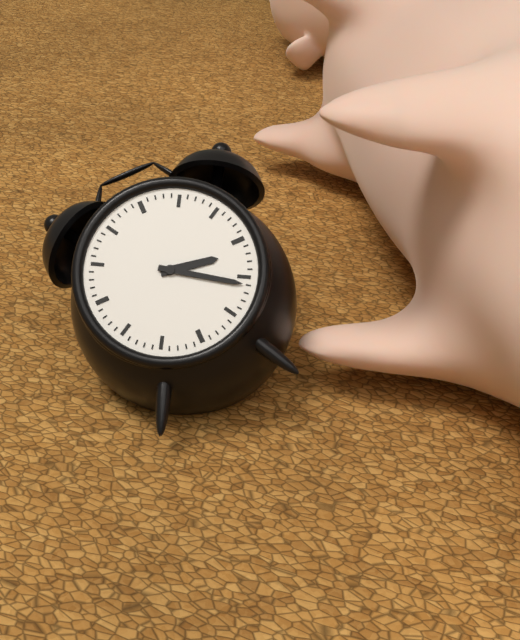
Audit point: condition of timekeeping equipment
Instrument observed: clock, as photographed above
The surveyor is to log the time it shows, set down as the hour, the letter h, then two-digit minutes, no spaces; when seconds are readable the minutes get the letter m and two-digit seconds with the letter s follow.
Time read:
3h21
